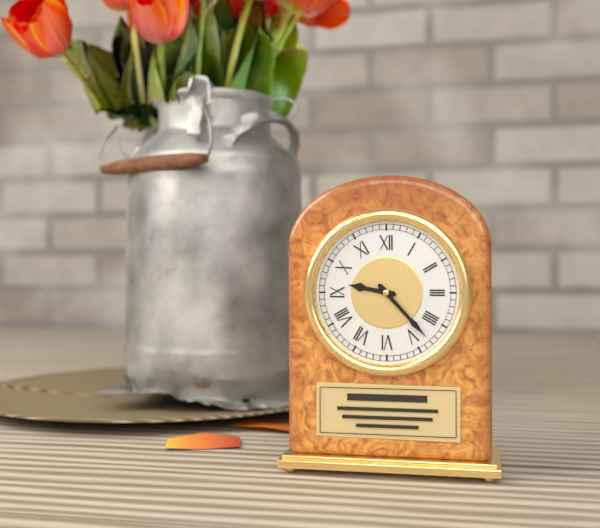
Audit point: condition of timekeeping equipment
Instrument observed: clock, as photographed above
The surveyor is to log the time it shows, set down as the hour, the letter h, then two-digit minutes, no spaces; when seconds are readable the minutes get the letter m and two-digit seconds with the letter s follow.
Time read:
9h23
